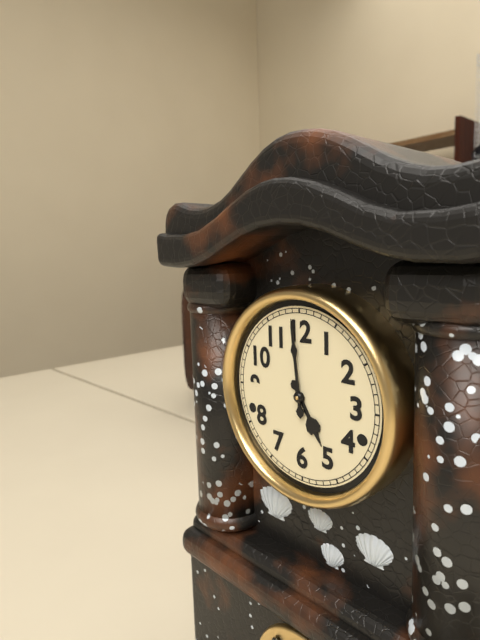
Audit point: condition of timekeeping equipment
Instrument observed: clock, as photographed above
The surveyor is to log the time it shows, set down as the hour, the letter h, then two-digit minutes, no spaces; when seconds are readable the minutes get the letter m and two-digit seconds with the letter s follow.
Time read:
4h59
